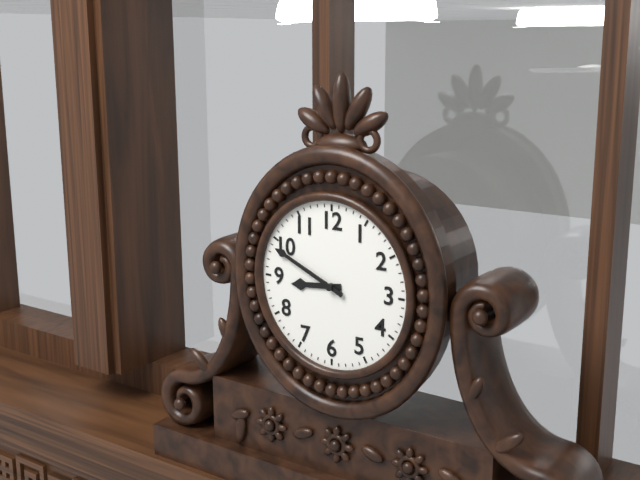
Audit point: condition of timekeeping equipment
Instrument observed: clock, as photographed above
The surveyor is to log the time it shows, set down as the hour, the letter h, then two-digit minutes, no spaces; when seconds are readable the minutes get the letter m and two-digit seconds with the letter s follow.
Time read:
8h49
